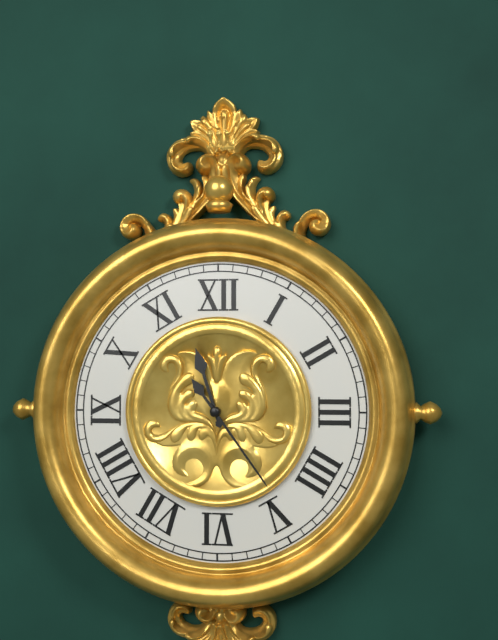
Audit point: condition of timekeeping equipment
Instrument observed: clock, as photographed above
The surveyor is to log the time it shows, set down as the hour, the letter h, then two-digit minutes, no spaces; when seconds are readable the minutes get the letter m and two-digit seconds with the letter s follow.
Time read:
11h24
